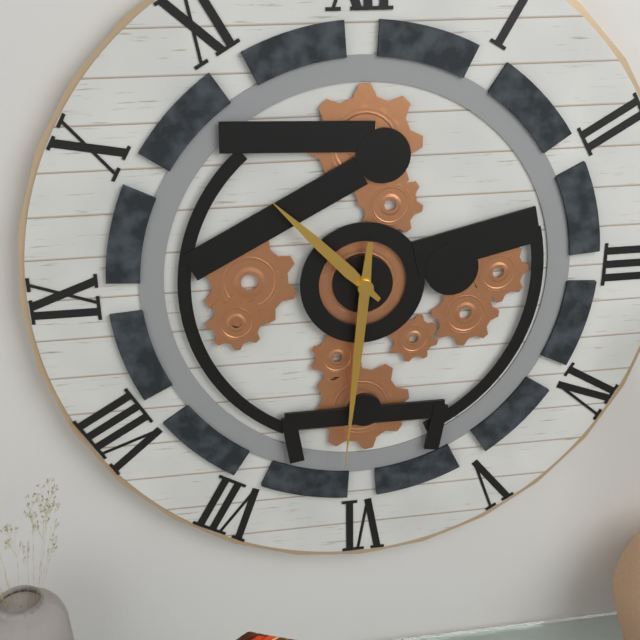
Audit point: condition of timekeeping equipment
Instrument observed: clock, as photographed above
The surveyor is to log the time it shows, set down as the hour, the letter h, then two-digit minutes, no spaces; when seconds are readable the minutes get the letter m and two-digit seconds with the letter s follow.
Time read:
10h31
